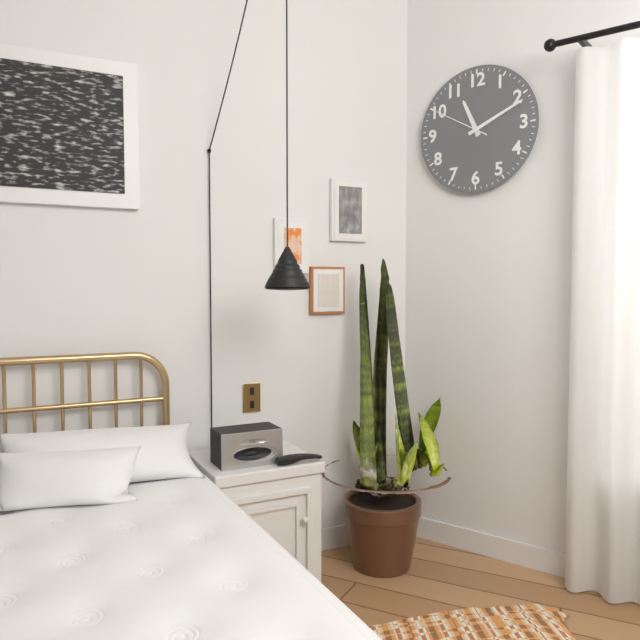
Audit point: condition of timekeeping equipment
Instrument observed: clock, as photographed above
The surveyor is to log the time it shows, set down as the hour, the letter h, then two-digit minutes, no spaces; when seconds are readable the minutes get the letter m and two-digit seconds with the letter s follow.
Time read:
11h11m50s
